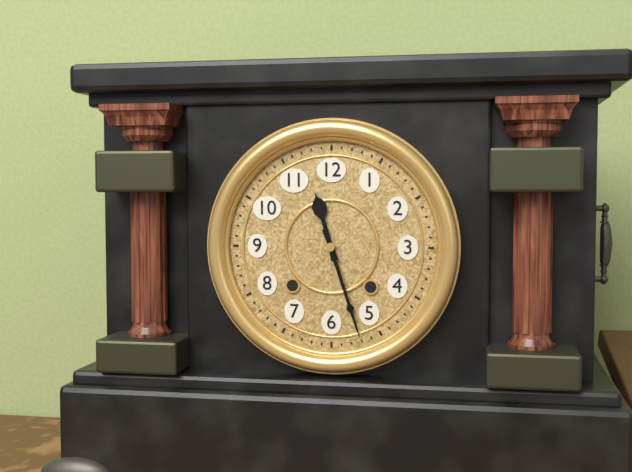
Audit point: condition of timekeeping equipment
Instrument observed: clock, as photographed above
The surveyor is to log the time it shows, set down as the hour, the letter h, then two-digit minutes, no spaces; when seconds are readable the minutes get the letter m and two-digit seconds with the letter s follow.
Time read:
11h27
